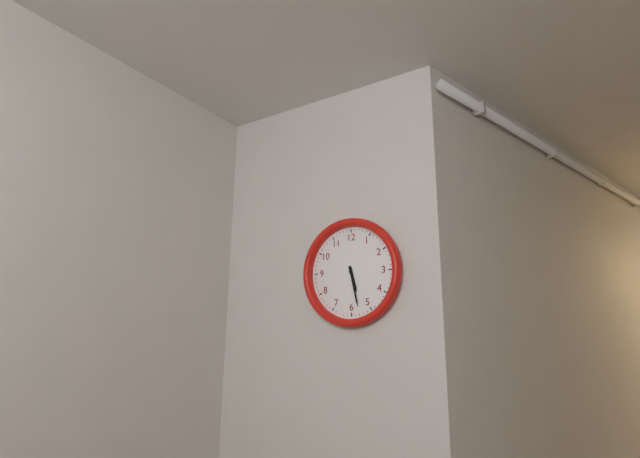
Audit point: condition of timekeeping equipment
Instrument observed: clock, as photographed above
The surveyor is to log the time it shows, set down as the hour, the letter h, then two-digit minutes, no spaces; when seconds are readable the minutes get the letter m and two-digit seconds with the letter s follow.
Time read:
5h28
